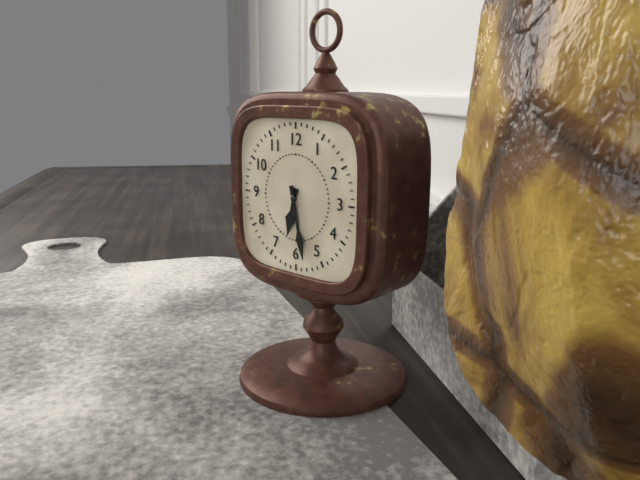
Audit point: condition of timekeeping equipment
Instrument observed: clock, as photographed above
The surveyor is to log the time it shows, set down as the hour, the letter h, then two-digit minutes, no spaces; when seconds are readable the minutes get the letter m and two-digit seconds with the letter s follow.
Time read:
6h28
